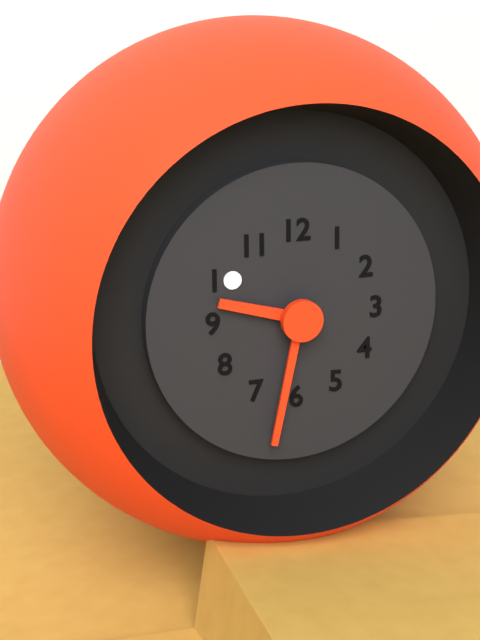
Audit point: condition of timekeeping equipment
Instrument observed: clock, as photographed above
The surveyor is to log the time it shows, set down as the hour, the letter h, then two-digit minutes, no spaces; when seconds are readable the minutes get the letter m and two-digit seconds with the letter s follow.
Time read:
9h32
